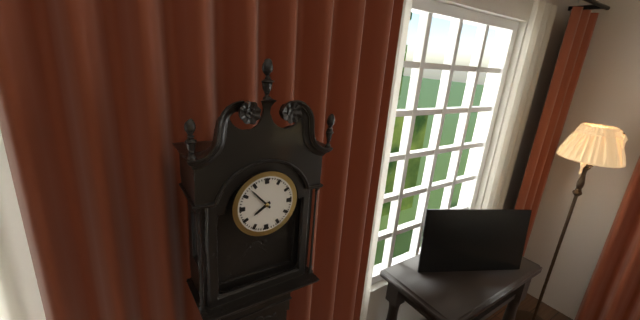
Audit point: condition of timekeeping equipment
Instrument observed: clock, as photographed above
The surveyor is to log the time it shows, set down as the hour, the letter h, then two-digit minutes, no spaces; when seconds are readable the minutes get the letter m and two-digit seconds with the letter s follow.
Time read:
7h53
